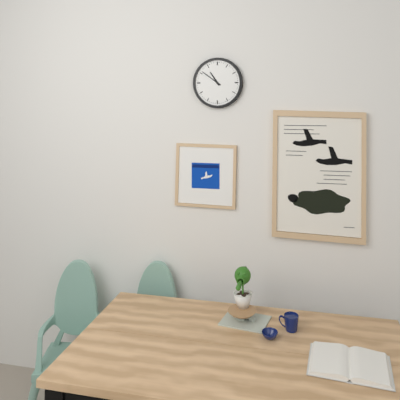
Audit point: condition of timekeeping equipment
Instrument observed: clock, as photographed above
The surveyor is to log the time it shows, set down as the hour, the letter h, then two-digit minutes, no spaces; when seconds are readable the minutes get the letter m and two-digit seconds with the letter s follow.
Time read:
10h51
